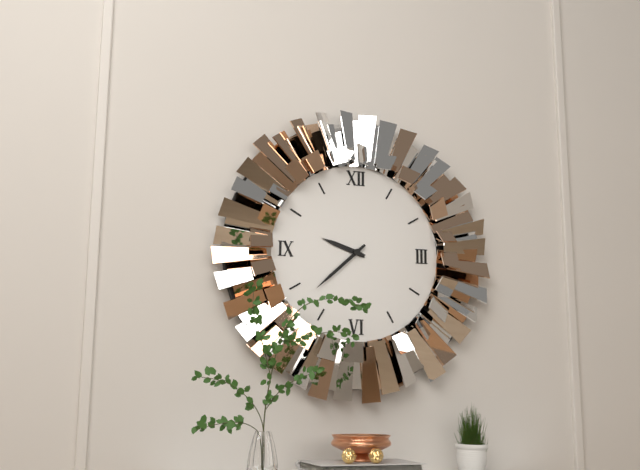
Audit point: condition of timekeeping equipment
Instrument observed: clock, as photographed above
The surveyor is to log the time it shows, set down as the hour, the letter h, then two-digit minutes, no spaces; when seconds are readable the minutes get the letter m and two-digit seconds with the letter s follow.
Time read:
9h38
